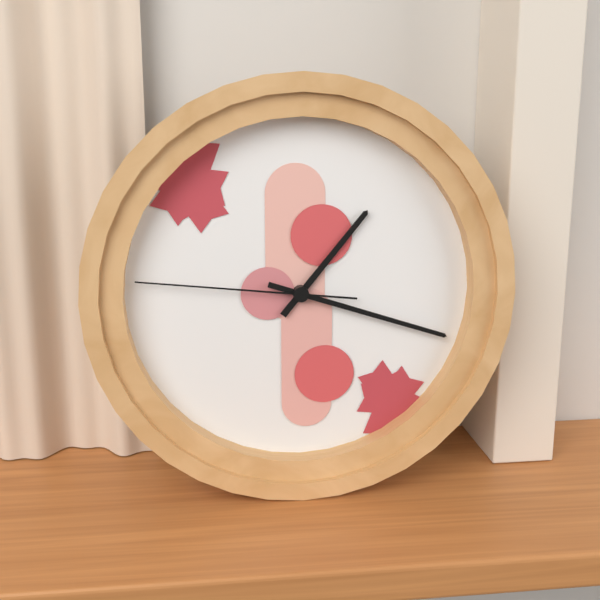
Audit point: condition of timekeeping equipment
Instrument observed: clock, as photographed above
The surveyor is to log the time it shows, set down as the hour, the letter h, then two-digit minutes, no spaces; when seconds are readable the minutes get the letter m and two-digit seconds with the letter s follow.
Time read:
1h18m46s
